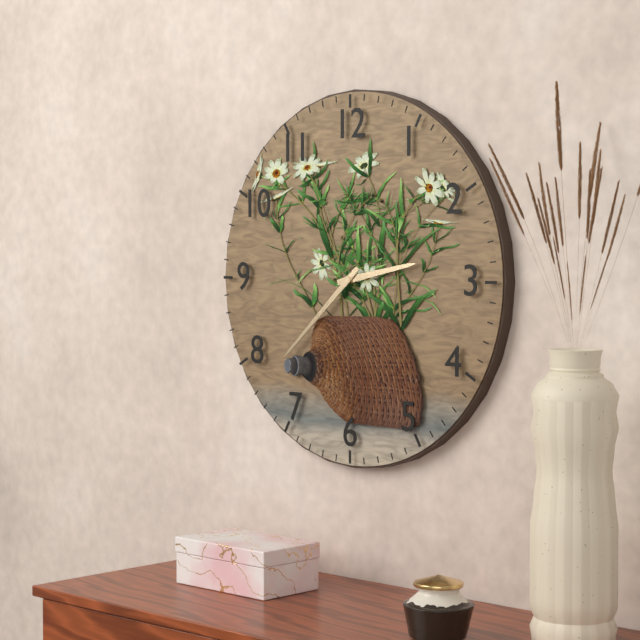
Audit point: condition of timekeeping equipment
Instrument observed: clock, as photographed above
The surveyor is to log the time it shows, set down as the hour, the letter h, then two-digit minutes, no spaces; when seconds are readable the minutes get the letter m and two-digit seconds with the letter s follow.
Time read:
2h38
